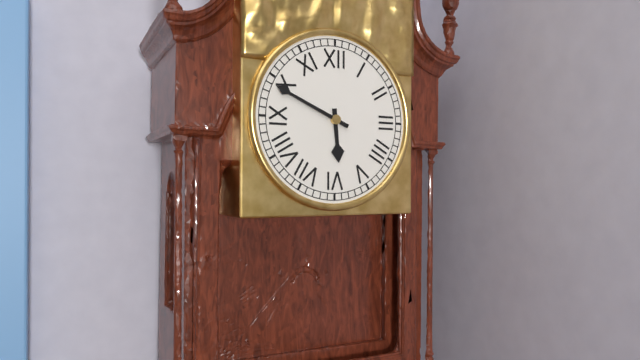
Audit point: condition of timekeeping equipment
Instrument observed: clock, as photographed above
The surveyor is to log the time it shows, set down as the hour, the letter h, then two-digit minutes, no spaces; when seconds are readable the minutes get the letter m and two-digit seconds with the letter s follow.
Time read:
5h49
